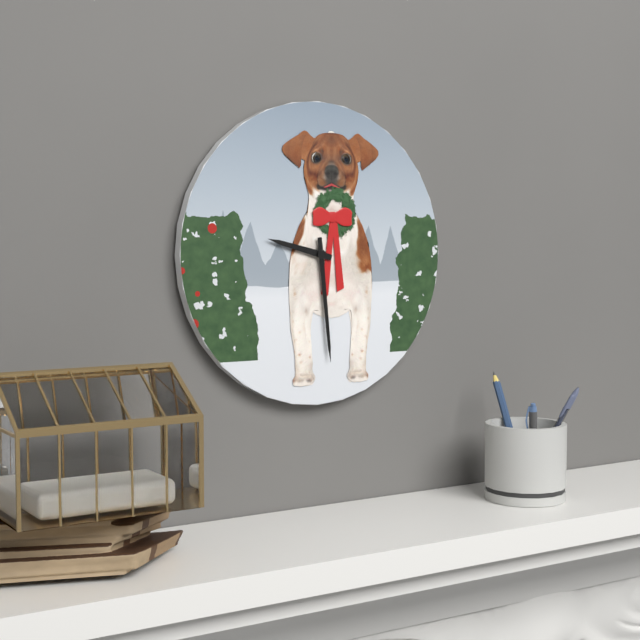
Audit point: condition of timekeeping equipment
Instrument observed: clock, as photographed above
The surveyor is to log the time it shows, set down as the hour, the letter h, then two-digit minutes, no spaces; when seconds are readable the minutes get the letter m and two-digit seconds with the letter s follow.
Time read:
9h29
